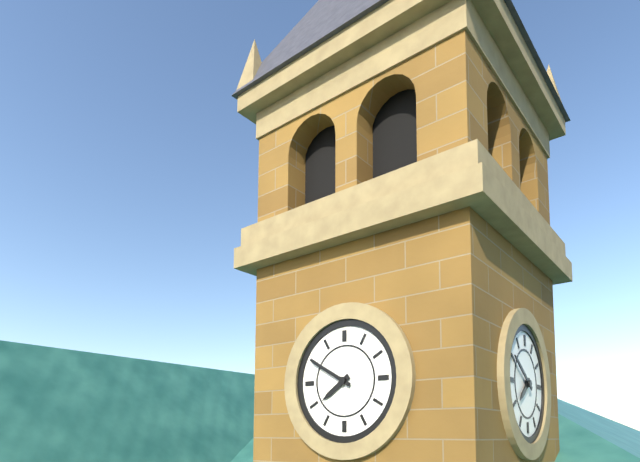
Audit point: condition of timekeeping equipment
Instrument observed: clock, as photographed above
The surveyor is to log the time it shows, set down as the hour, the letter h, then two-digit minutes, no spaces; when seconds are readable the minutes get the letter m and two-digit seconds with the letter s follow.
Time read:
7h50
